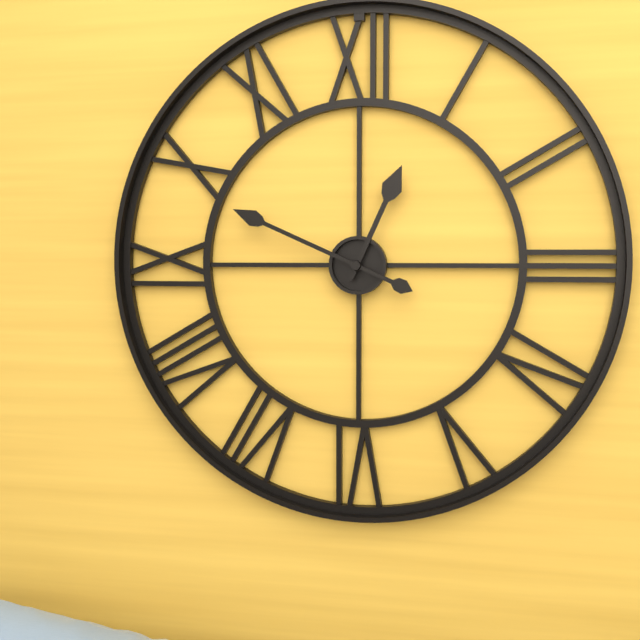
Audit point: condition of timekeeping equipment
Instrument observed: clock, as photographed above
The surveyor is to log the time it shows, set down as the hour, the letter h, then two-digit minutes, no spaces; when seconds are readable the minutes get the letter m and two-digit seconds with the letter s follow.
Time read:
12h49
